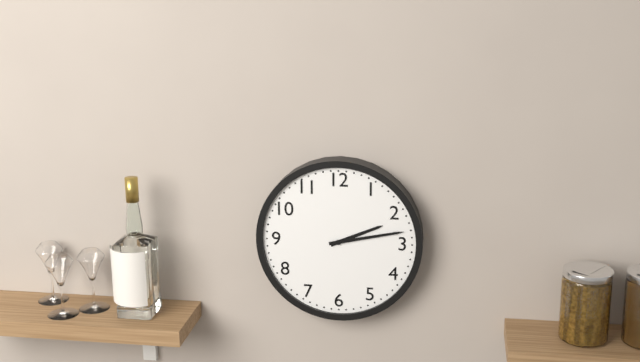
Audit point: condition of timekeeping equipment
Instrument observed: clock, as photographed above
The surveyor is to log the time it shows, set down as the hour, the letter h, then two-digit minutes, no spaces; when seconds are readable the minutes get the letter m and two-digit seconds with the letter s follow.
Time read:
2h13
